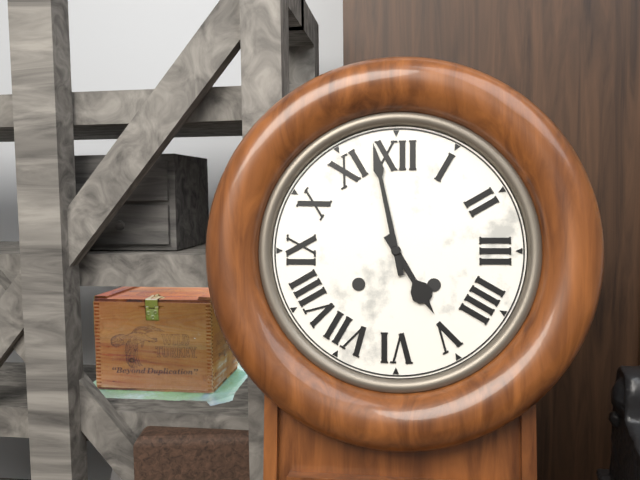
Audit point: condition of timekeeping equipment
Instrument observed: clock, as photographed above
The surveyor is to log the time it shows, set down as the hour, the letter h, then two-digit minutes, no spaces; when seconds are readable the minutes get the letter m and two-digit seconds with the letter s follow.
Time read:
4h58
